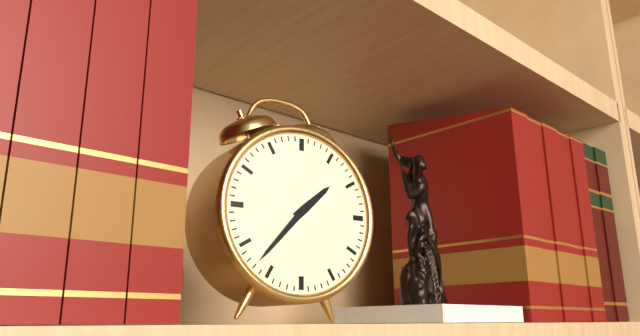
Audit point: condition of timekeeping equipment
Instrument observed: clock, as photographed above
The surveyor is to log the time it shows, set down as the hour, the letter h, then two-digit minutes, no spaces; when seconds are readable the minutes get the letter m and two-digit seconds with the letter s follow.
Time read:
1h37
